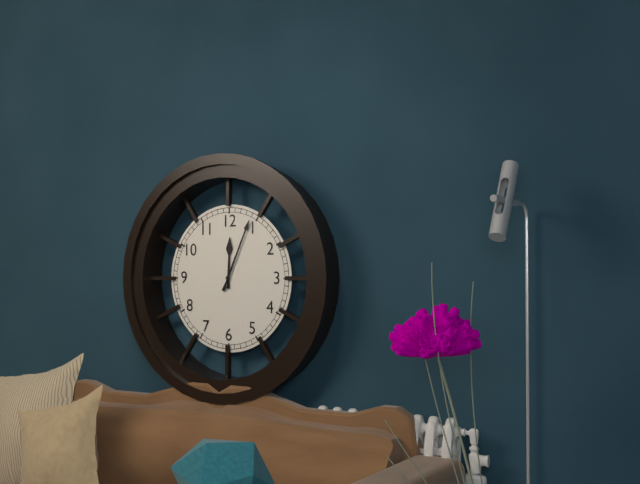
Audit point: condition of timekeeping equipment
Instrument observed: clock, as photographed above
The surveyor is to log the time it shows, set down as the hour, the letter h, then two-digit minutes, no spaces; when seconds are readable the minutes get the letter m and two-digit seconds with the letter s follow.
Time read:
12h04
